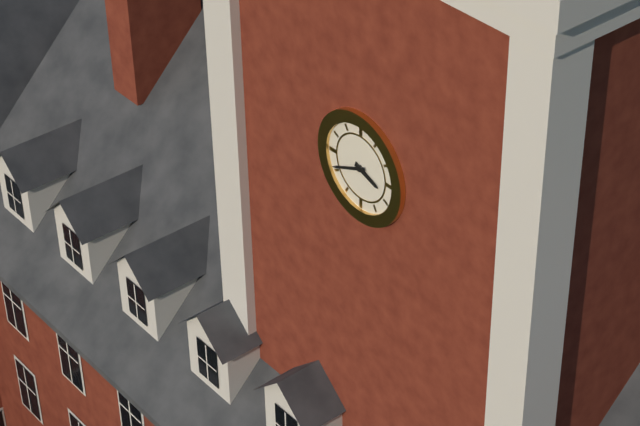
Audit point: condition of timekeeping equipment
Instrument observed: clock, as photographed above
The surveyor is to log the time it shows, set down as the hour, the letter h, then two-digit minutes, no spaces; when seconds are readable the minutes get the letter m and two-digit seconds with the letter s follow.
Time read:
3h41
